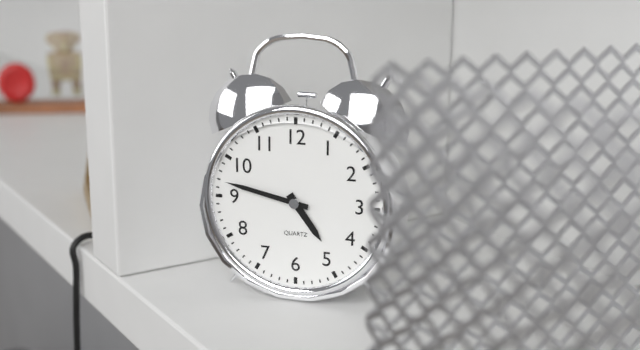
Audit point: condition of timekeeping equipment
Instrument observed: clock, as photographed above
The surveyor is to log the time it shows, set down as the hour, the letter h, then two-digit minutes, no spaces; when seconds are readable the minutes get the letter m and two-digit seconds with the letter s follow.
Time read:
4h47
